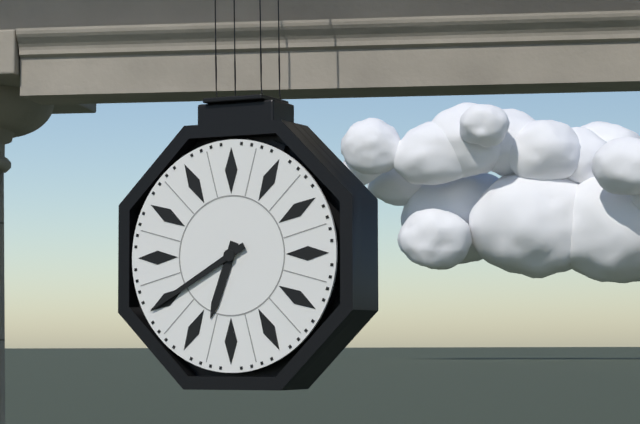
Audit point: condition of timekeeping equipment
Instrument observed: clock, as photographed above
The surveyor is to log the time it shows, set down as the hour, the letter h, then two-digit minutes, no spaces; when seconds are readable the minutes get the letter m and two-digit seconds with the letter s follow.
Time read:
6h40
